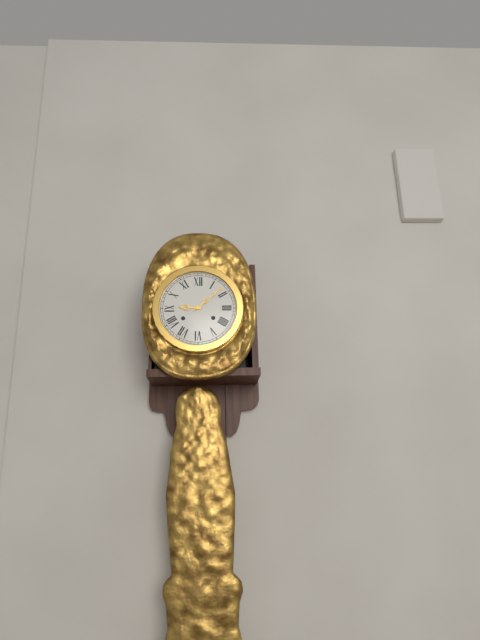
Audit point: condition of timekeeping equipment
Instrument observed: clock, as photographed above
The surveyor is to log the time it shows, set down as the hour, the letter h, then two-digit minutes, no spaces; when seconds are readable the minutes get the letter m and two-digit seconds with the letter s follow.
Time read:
9h08
